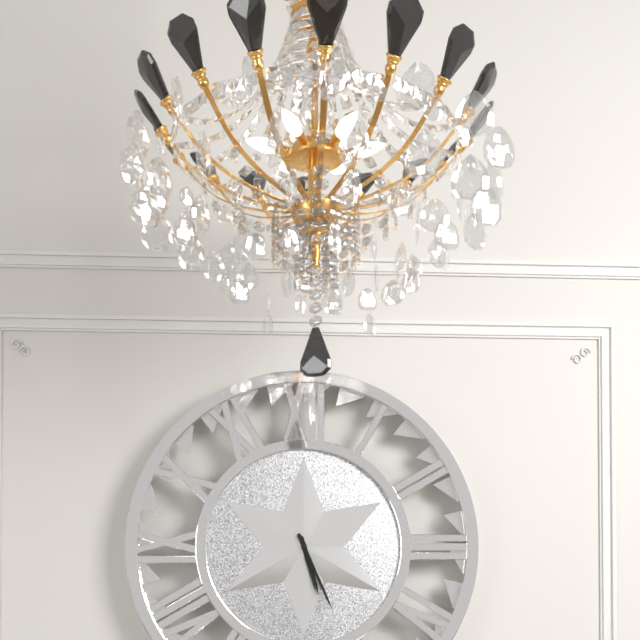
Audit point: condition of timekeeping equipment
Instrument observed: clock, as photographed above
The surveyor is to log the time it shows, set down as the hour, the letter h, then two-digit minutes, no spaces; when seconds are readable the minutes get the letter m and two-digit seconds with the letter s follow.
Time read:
5h26
